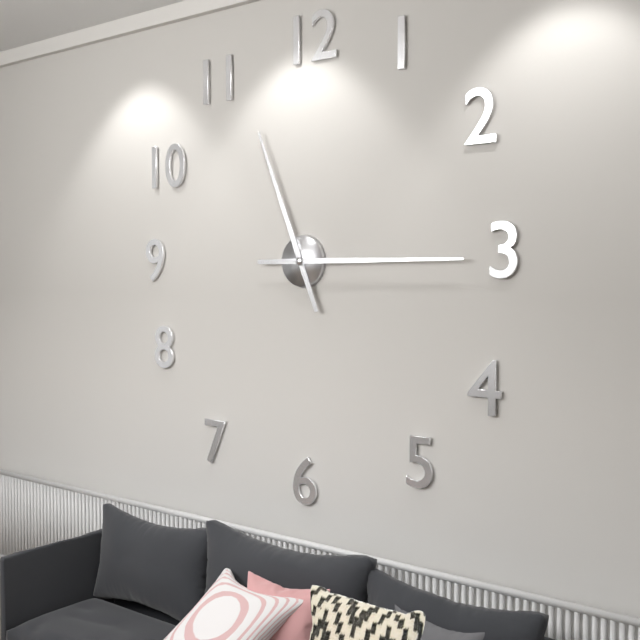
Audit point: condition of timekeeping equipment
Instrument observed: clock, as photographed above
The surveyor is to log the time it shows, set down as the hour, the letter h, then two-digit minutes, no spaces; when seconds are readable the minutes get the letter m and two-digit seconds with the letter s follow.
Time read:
11h15
